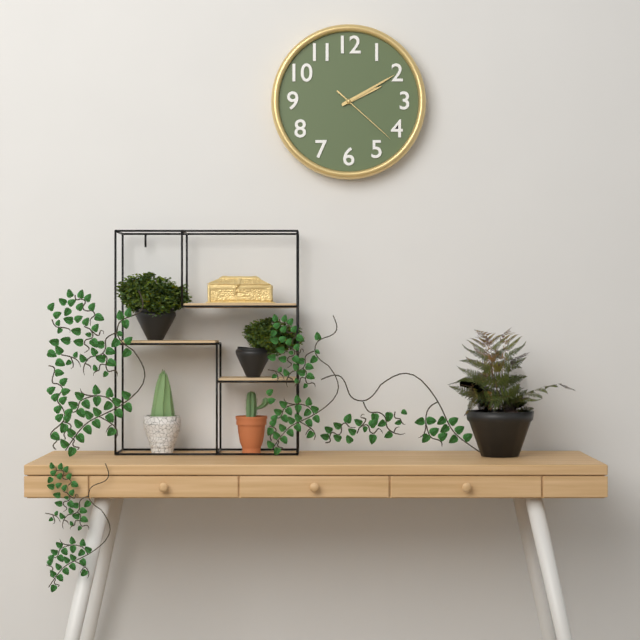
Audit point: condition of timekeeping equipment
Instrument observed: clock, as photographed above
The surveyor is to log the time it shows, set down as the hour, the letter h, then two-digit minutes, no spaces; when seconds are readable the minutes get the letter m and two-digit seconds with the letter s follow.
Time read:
2h10m22s
